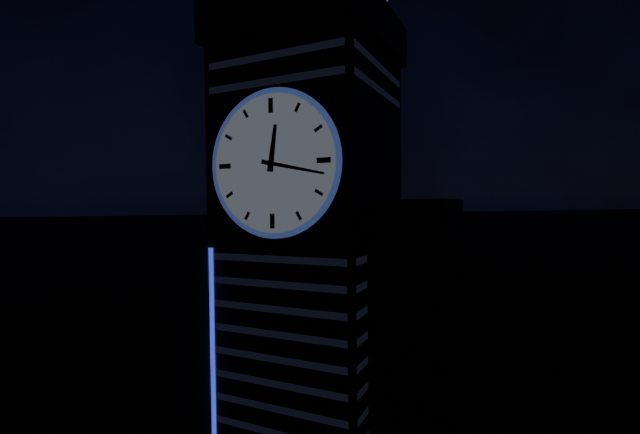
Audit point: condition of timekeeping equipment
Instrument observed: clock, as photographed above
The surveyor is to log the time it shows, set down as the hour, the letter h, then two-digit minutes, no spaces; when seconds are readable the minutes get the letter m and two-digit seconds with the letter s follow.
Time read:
12h17
